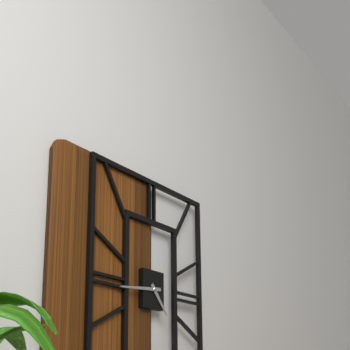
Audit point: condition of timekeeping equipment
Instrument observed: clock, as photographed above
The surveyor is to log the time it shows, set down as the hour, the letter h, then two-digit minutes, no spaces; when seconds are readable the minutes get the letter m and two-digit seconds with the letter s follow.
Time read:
4h44
